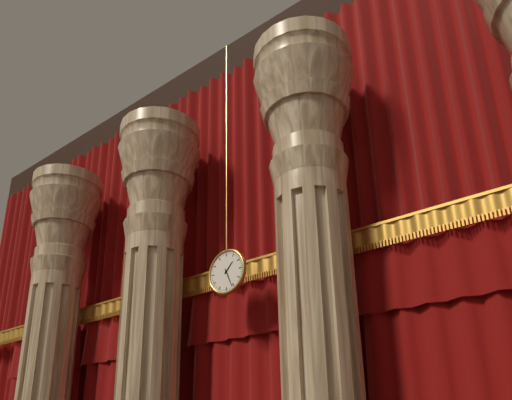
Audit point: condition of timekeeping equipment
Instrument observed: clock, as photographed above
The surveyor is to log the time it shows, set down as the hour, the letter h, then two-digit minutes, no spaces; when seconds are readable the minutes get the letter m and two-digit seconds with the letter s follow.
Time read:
1h26
